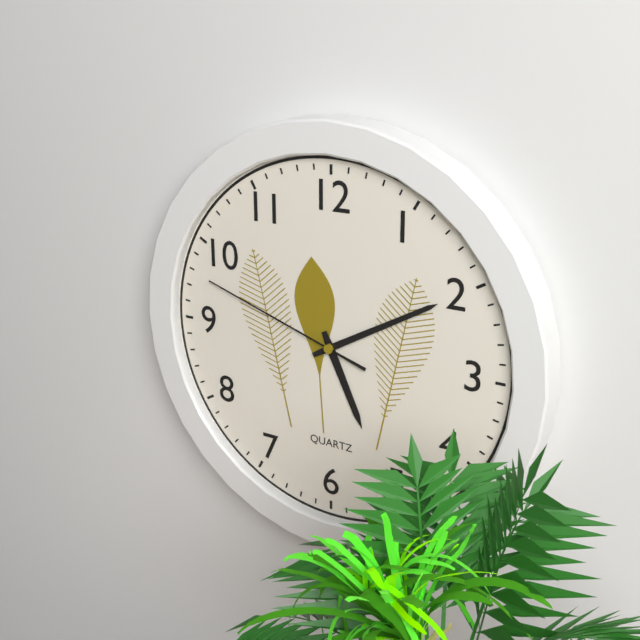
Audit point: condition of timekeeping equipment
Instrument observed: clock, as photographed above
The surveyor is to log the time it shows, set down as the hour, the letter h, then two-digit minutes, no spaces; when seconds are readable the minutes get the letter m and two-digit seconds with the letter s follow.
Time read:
5h10m48s
